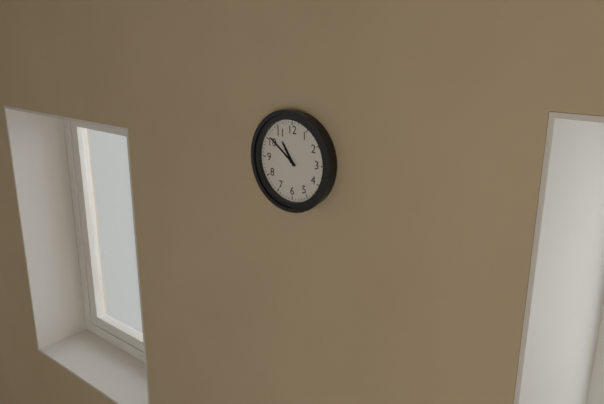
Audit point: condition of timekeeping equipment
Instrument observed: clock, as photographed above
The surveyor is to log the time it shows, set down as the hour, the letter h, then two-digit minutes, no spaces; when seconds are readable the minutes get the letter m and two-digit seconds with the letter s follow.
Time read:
10h51
